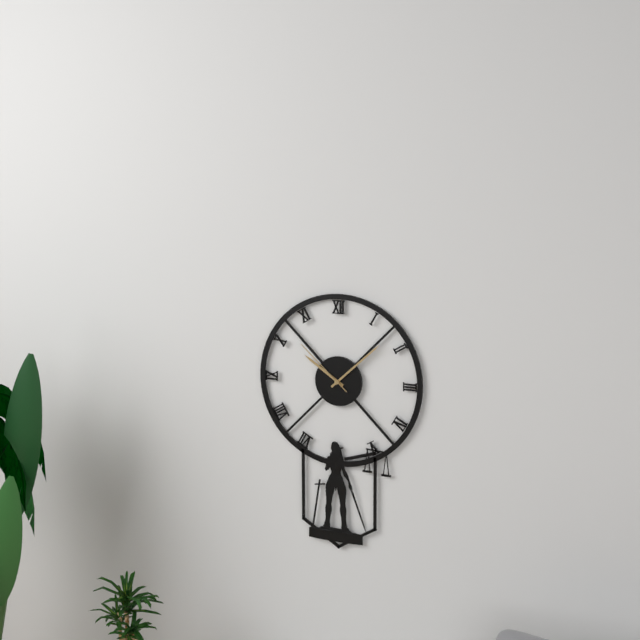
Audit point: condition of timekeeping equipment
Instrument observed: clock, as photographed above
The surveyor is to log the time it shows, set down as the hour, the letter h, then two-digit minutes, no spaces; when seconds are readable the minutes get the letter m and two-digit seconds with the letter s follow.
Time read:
10h08m52s
